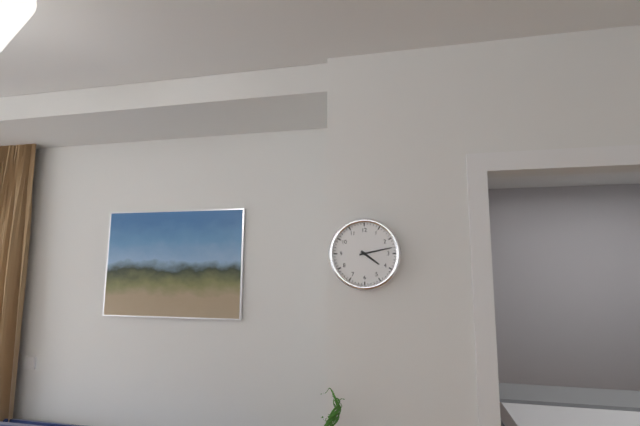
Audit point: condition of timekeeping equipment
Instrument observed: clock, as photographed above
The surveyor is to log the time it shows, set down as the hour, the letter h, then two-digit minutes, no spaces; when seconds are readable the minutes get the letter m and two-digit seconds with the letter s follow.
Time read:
4h13
